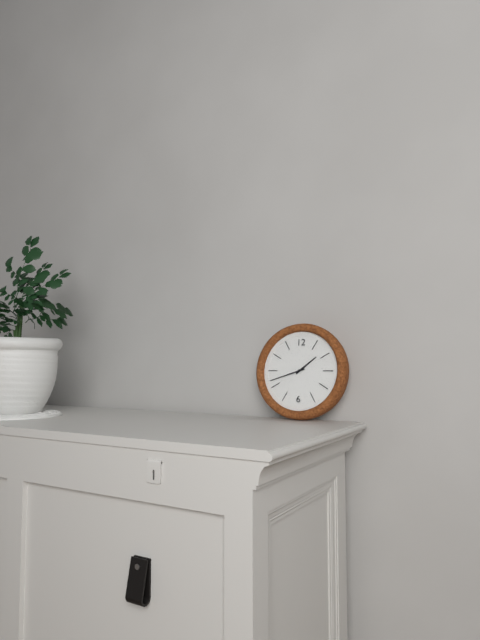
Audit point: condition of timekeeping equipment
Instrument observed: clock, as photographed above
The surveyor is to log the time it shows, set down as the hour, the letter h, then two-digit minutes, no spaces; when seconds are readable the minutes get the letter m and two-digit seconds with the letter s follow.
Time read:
1h42
